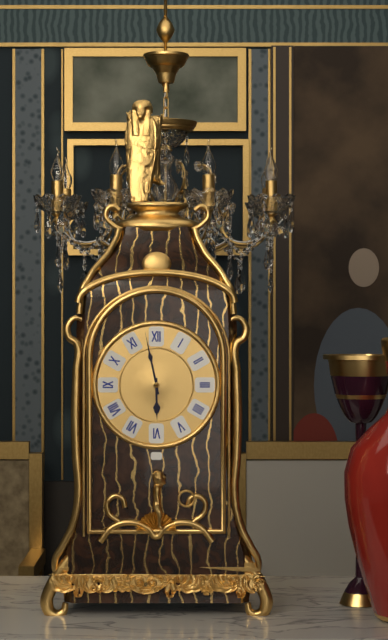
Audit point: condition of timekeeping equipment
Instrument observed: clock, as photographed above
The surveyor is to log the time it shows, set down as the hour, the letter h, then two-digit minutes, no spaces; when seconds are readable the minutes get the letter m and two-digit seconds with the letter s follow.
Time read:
5h58
